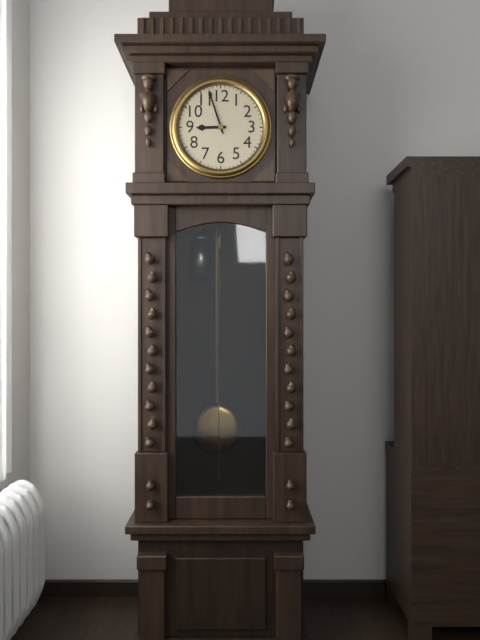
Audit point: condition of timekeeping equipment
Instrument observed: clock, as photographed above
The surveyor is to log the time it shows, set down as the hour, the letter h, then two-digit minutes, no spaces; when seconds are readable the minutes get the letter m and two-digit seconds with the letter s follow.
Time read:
8h57
